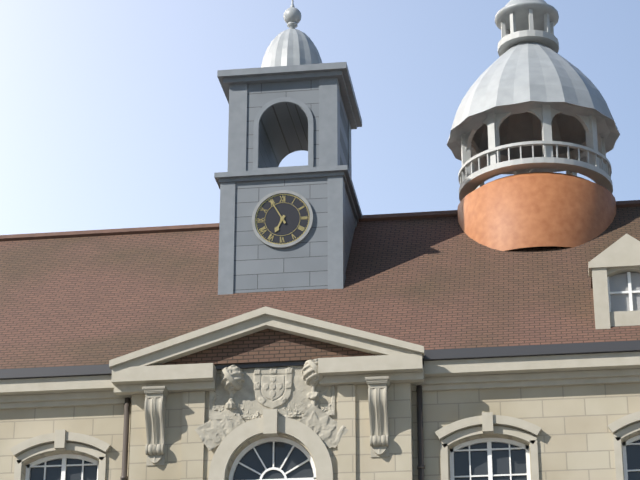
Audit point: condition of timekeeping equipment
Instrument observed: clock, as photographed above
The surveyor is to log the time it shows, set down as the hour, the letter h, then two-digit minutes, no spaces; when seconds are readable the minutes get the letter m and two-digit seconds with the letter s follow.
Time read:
6h55
